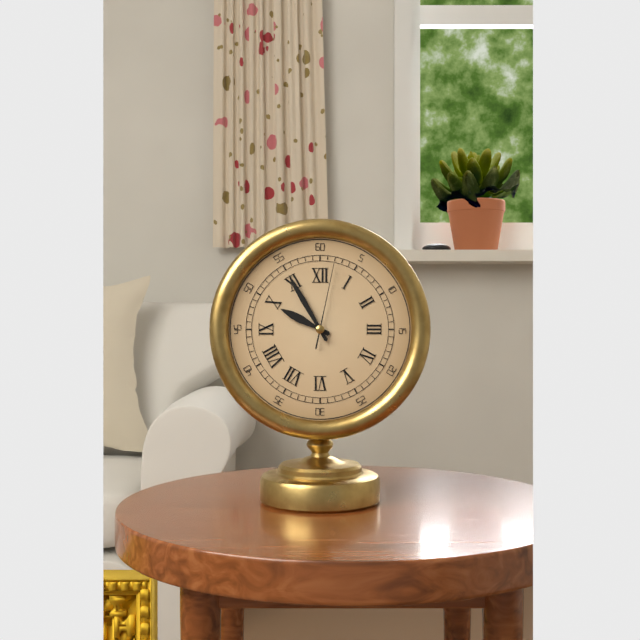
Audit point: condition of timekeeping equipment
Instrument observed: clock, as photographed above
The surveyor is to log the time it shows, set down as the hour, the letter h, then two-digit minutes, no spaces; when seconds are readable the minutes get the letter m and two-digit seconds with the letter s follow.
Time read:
9h55m02s
